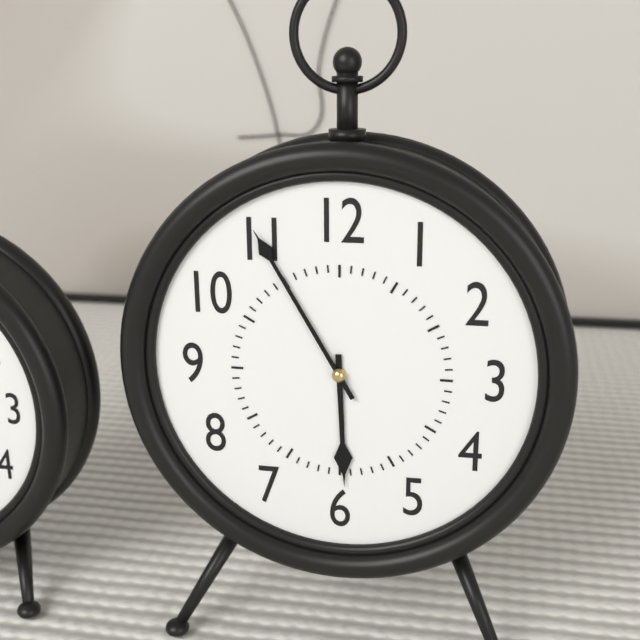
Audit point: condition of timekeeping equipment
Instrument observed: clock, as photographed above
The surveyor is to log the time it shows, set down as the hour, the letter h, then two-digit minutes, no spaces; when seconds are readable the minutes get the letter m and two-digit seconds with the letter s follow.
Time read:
5h55
